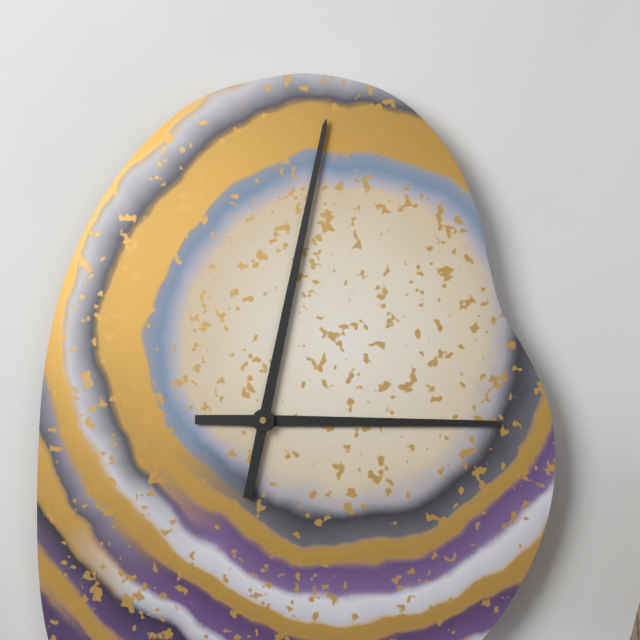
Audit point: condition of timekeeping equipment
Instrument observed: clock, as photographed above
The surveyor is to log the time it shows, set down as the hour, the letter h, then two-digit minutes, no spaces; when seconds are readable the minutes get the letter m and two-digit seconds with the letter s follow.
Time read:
3h02
